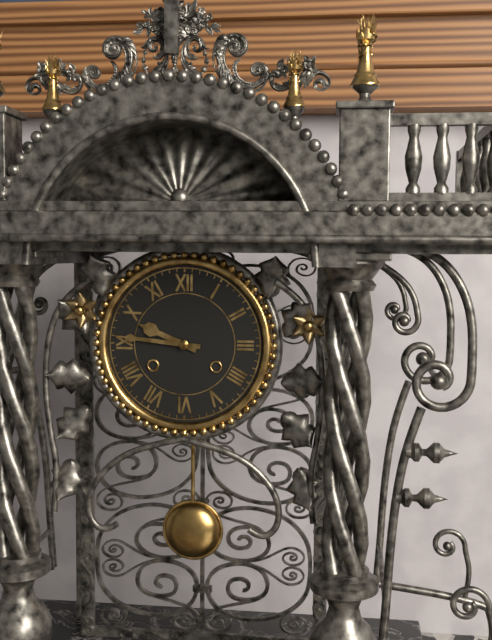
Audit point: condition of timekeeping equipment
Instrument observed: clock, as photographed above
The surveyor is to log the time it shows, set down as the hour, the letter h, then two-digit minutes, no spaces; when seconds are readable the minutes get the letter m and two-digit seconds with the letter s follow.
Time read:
9h46
